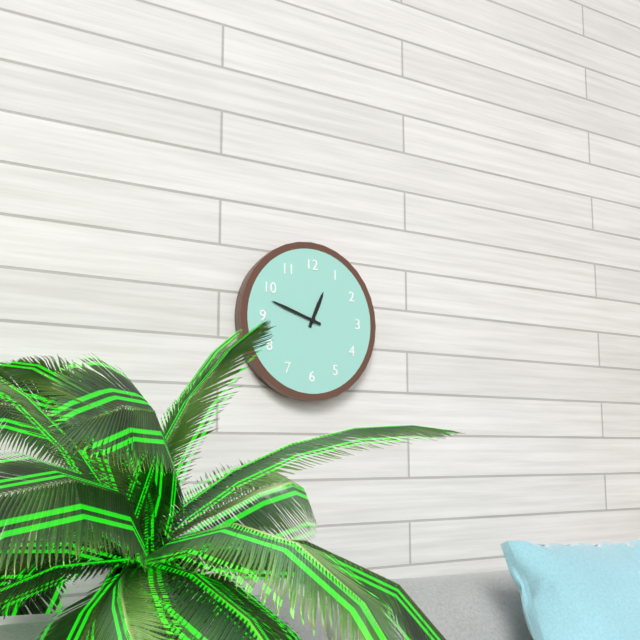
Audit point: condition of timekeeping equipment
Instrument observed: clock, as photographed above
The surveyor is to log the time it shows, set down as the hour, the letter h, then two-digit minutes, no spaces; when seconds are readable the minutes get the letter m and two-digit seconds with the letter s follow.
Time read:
12h48
